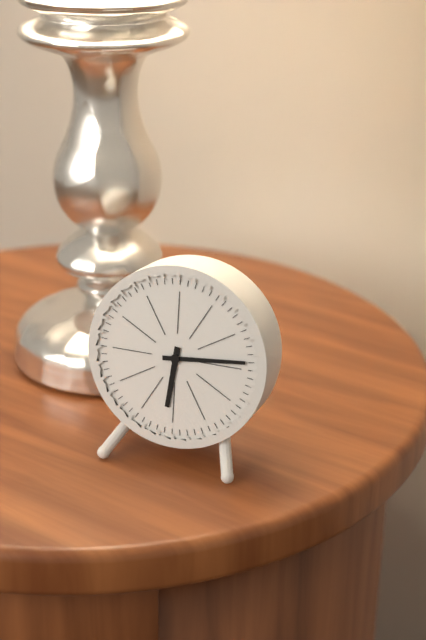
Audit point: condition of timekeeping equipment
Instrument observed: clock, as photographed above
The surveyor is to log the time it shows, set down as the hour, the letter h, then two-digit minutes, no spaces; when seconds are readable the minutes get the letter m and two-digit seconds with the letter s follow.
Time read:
6h14
